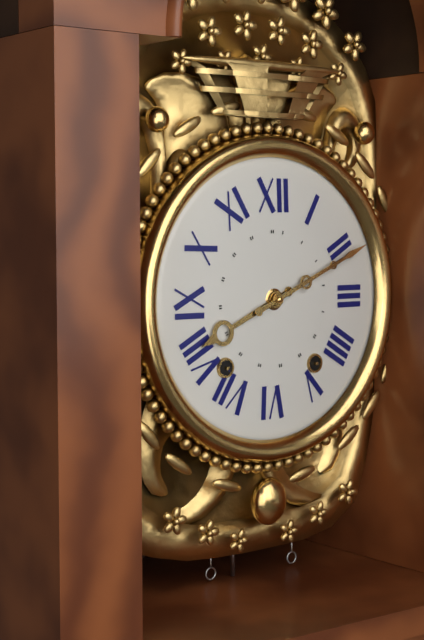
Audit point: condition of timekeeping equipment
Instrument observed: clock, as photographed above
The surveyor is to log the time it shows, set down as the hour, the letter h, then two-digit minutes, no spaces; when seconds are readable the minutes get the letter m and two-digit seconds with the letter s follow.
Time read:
8h11
